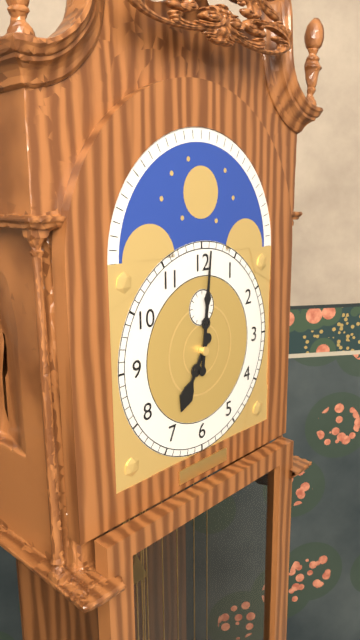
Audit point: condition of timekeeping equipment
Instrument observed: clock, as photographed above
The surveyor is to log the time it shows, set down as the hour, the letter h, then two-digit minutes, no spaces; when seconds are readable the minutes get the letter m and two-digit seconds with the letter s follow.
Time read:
7h01
